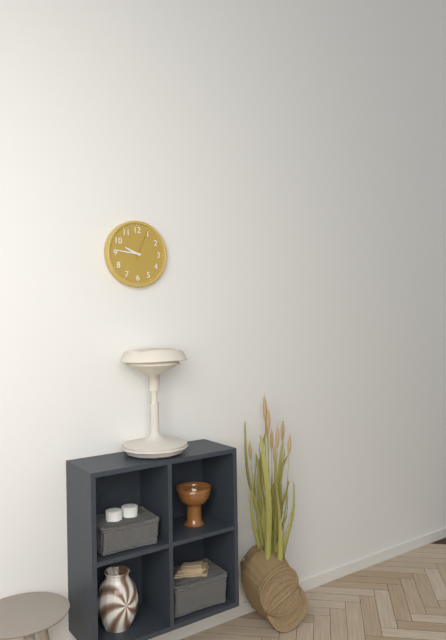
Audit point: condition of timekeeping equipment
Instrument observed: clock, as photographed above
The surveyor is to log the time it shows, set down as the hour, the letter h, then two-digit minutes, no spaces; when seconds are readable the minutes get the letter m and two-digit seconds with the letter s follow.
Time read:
9h46
